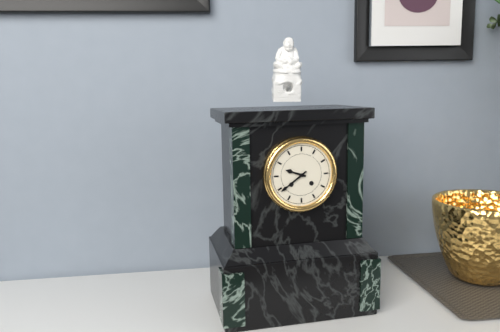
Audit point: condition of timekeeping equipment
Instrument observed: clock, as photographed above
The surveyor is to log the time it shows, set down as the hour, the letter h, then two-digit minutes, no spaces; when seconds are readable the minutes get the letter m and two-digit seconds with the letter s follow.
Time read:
9h39
